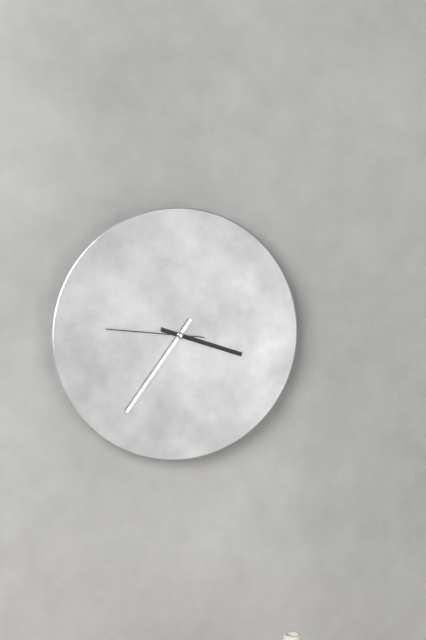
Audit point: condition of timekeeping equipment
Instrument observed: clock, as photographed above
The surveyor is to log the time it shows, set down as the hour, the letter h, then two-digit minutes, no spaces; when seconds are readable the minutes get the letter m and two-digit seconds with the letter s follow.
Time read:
3h36m46s
